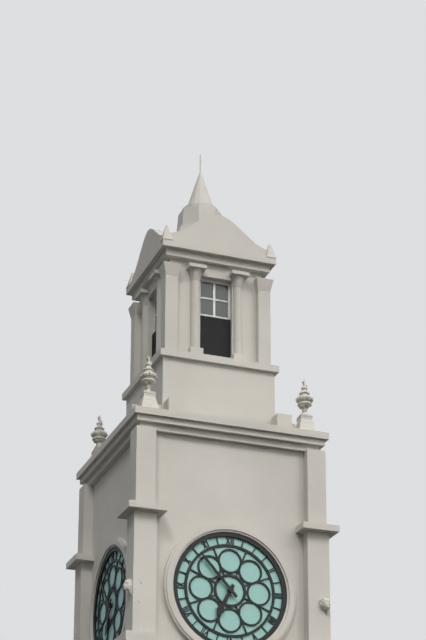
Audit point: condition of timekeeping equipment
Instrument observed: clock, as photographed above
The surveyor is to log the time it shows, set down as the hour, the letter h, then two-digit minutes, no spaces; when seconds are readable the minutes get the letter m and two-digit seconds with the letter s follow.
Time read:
6h53
